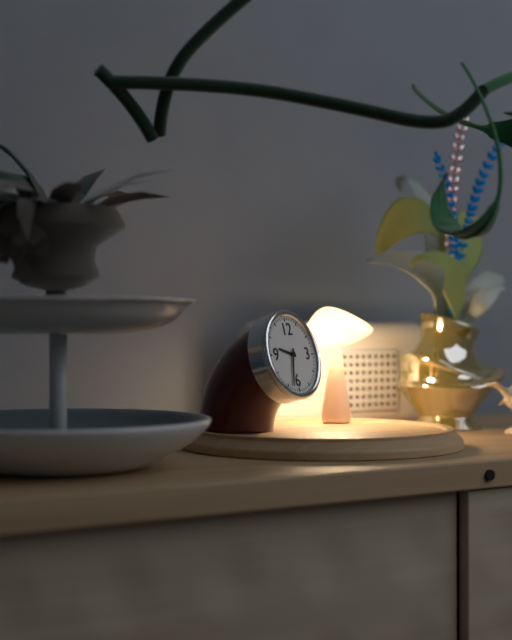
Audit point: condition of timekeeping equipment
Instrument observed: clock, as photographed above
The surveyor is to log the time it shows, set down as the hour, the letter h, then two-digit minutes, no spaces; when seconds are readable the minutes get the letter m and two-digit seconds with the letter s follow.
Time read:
9h33
